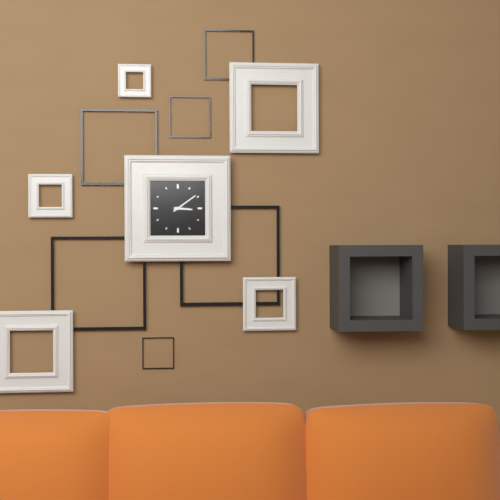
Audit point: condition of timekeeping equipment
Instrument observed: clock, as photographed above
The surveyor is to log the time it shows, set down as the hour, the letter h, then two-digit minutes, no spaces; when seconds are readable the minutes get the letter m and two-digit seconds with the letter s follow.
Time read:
3h09
